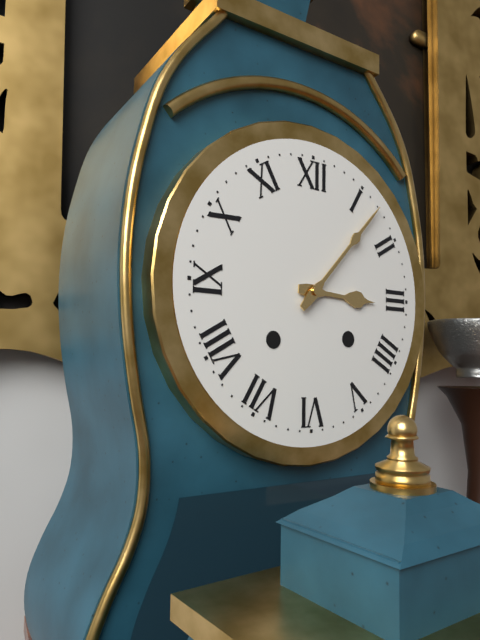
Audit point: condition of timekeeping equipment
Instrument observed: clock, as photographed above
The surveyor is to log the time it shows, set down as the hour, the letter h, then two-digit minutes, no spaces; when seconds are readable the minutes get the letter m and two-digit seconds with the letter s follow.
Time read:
3h07
